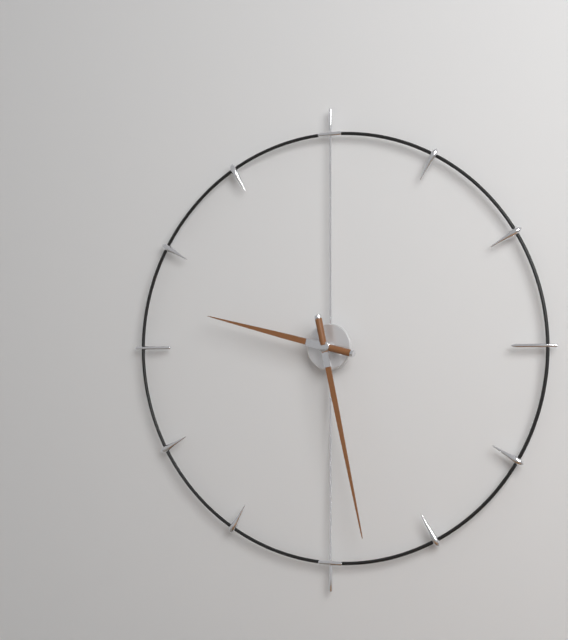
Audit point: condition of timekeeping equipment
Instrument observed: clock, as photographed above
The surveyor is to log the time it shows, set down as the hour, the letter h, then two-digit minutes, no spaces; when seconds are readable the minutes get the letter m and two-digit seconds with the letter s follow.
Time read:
9h28
